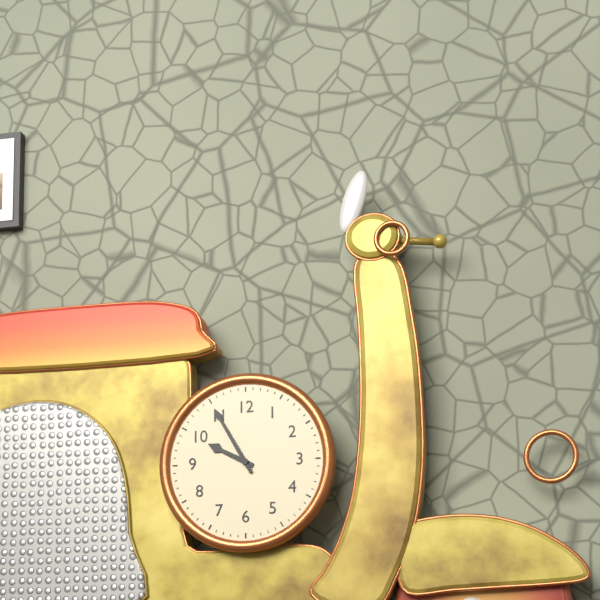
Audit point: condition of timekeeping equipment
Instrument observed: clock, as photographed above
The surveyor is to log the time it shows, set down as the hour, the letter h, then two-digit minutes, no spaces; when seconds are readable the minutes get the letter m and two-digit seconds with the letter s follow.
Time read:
9h55
